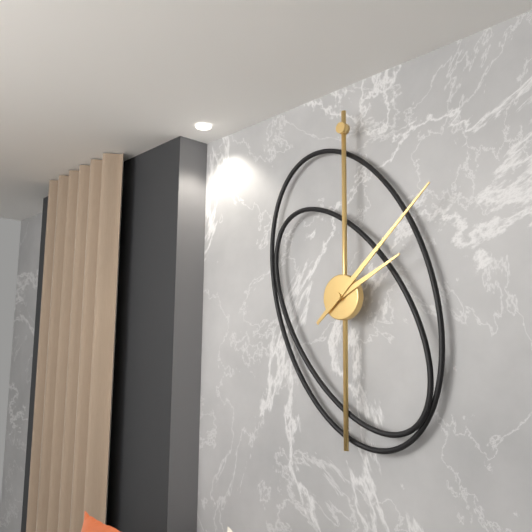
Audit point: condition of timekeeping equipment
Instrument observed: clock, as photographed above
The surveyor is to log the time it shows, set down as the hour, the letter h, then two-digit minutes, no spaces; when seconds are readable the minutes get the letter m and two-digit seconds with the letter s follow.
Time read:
2h08
